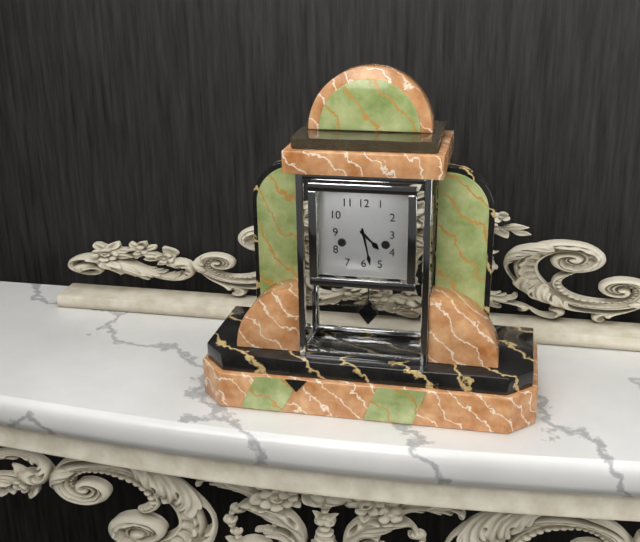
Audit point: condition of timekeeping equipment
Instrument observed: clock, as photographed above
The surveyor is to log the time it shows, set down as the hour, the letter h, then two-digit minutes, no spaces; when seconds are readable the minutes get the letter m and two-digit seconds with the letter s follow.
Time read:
4h28
